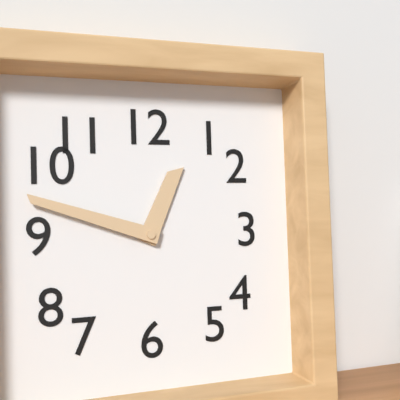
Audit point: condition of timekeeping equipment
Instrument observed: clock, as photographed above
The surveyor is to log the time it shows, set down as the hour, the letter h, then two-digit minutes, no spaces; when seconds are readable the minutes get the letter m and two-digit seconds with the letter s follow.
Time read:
12h48
